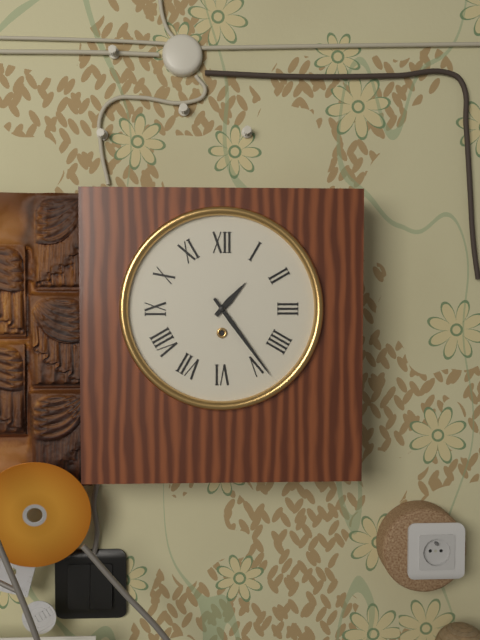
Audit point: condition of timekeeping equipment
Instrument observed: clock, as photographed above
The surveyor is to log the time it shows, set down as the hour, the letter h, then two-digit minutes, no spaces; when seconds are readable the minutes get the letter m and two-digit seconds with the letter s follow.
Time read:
1h24
